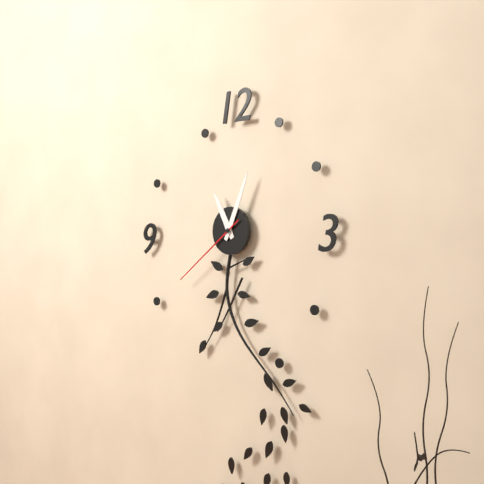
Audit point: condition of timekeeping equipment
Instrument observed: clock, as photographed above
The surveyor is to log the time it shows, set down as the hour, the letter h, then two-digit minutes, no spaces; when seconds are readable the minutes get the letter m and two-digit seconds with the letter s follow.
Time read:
11h04m39s
